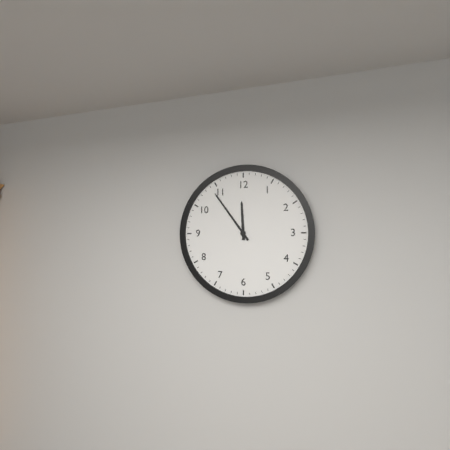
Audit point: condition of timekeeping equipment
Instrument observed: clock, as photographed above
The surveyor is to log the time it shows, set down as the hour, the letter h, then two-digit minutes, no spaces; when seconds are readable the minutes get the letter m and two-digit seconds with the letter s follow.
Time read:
11h54
